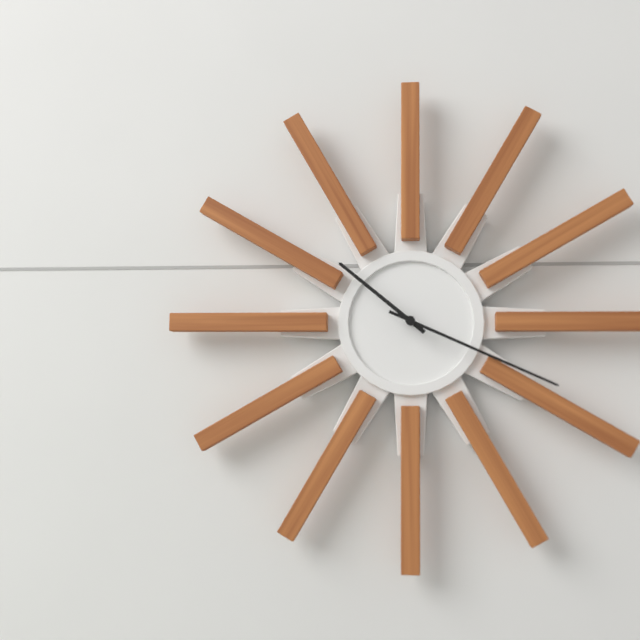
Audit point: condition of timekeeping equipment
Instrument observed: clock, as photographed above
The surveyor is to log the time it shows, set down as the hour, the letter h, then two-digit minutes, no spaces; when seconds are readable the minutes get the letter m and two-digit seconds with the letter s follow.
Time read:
10h19
